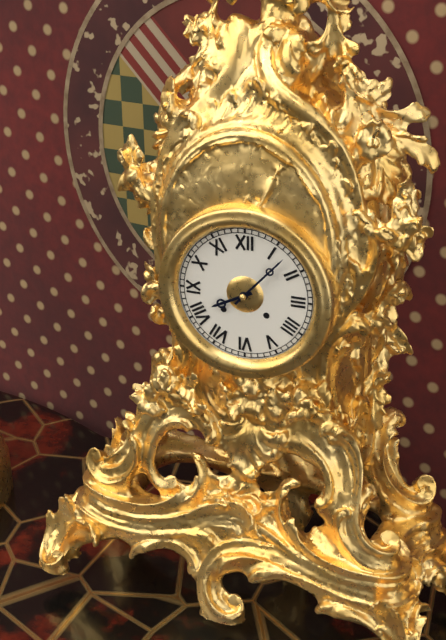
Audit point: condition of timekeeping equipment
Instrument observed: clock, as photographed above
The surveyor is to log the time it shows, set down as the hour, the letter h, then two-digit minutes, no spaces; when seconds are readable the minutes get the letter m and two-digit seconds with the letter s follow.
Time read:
8h07
